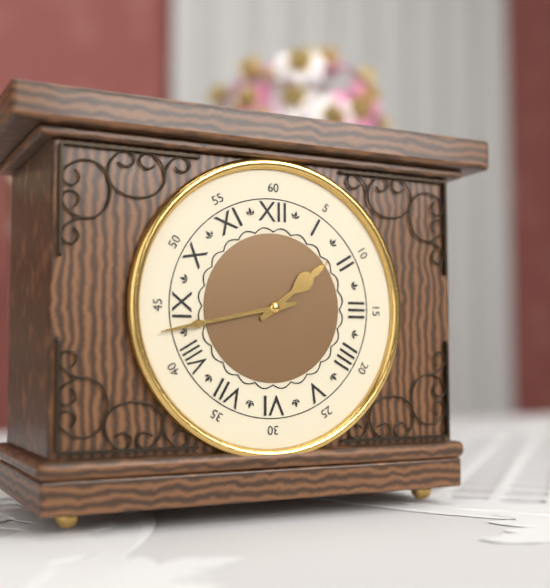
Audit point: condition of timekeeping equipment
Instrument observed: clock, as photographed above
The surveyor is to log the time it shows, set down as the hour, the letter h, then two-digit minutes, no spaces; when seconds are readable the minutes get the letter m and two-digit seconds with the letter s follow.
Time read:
1h43
